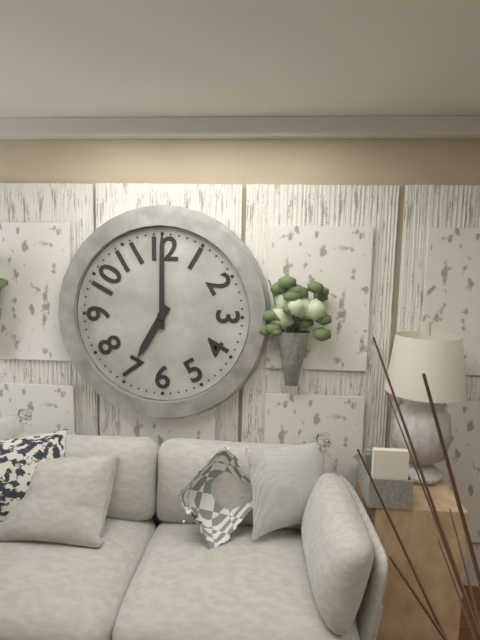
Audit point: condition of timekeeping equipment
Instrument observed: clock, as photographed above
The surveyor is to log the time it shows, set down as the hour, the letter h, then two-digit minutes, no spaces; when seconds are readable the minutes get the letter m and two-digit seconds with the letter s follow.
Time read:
7h00
